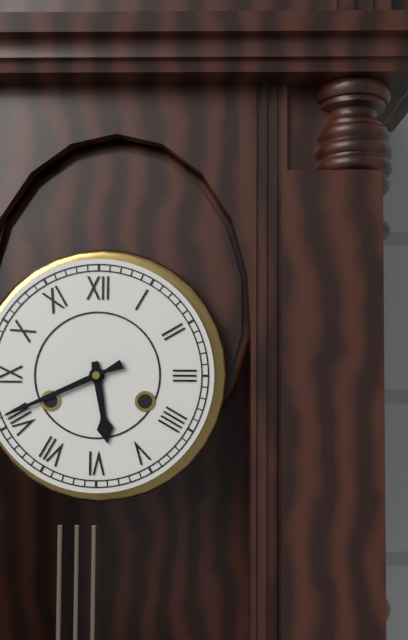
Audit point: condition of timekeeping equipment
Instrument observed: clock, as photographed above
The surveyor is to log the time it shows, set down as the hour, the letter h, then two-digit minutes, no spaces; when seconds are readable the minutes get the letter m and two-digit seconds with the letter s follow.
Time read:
5h41
